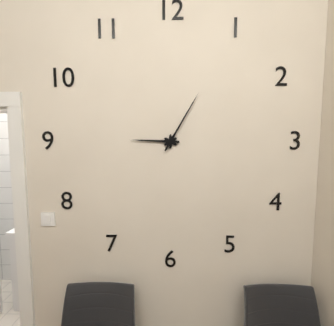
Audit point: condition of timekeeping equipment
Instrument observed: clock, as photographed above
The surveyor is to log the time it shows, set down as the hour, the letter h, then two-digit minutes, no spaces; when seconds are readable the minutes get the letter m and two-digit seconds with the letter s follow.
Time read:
9h05
